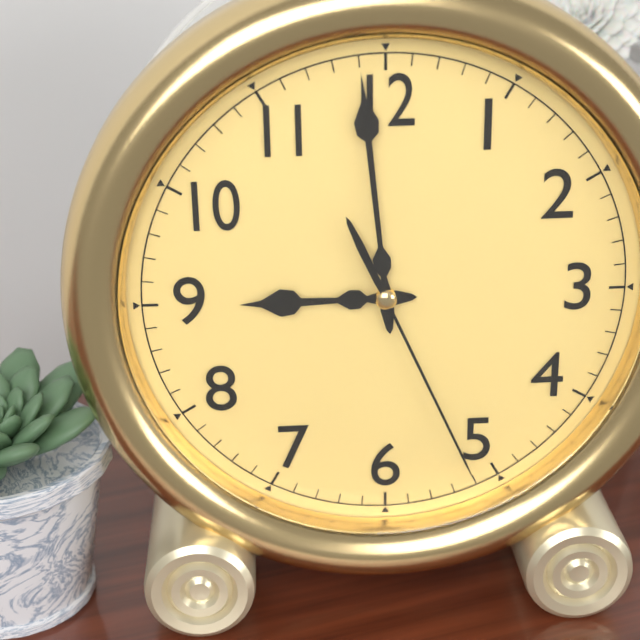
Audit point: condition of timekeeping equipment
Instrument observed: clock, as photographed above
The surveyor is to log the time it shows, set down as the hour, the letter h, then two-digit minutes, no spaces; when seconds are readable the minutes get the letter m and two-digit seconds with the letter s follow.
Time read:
8h59m26s
